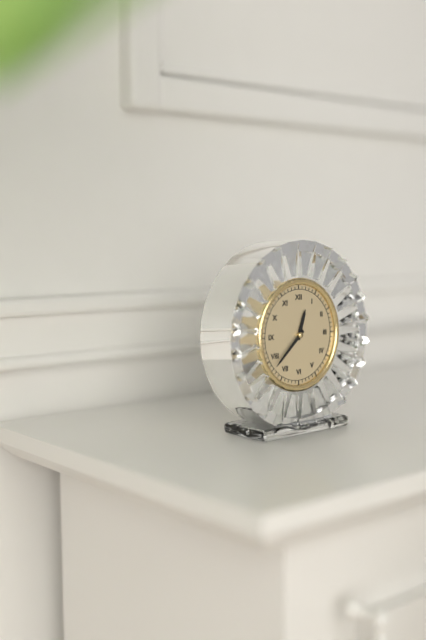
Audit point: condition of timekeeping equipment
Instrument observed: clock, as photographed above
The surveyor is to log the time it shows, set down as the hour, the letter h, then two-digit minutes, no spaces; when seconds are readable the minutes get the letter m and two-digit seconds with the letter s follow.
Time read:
12h38
